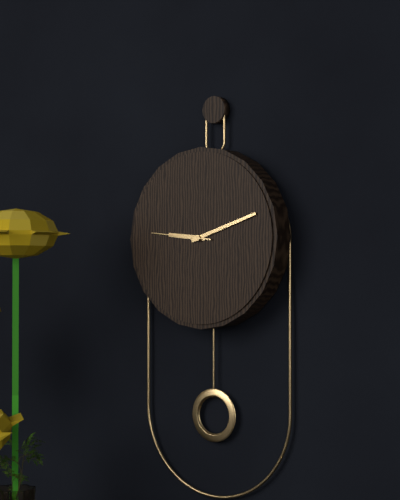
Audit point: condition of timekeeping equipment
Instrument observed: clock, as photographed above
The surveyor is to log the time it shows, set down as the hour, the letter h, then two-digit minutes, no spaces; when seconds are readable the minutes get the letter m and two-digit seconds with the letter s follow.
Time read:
9h12m46s
